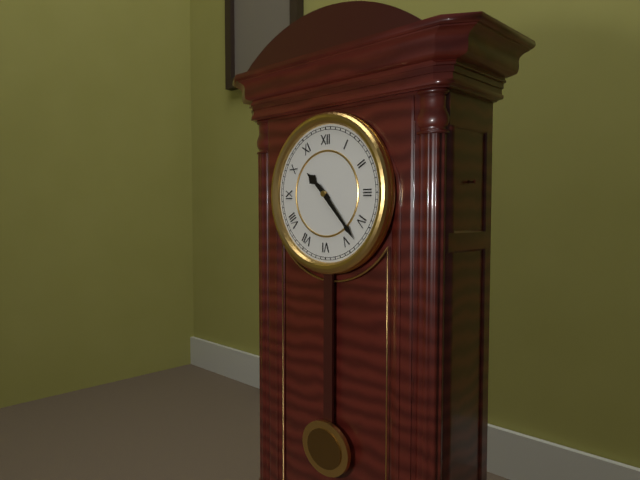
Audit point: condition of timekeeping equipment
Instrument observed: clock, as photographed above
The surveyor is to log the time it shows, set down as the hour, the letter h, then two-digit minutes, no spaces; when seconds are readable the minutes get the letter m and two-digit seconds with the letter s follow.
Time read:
10h23
